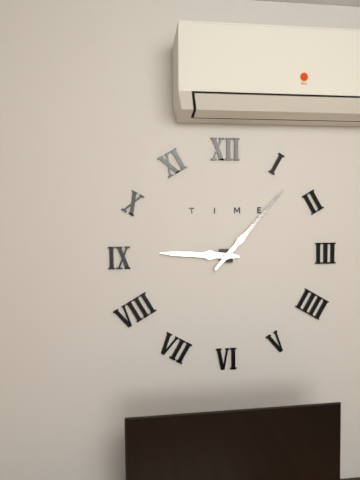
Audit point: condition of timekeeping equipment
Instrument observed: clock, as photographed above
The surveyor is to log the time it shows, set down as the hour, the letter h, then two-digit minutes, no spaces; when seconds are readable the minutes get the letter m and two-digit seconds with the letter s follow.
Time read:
9h07
